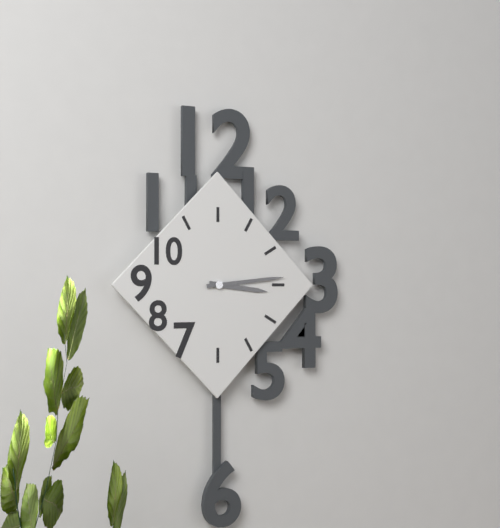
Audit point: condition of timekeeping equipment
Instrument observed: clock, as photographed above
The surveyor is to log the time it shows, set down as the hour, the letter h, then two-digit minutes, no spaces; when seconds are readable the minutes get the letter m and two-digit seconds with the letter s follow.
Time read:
3h14
